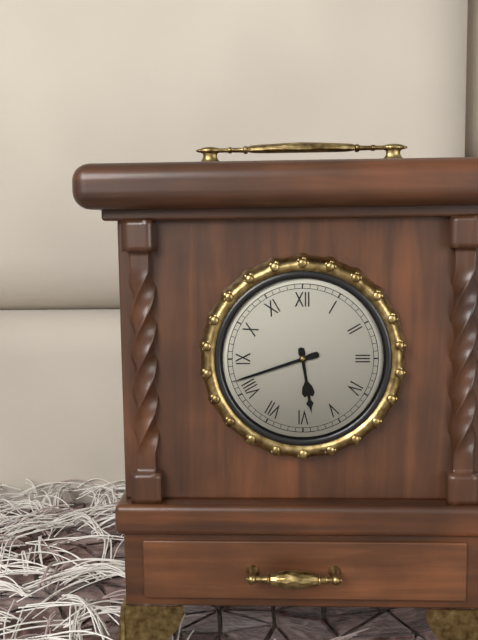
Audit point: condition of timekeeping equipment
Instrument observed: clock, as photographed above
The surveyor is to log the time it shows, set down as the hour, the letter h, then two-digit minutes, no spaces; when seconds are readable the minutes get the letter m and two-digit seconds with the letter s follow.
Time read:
5h42
